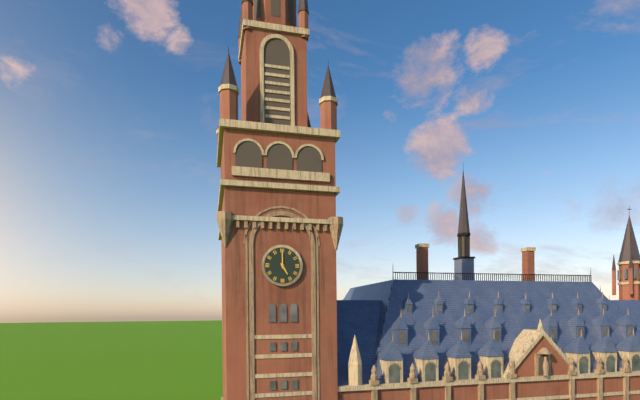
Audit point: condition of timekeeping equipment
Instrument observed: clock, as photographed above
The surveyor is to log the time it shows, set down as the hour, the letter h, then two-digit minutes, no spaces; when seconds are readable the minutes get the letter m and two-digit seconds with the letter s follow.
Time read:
5h00
